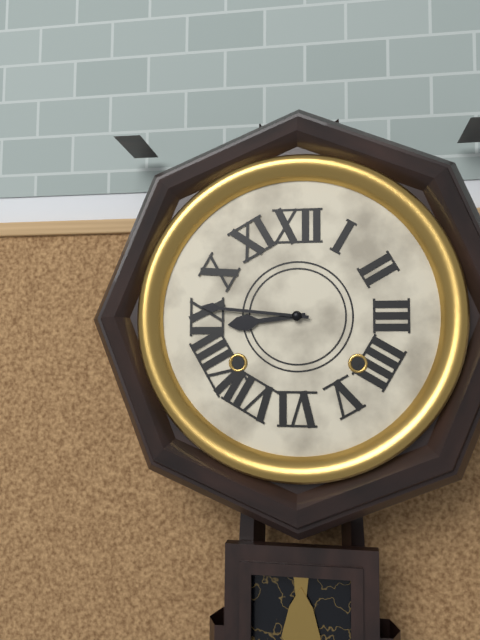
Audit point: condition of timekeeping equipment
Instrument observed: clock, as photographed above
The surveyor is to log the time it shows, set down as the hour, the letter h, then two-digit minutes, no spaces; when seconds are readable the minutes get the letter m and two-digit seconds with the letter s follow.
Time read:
8h46
